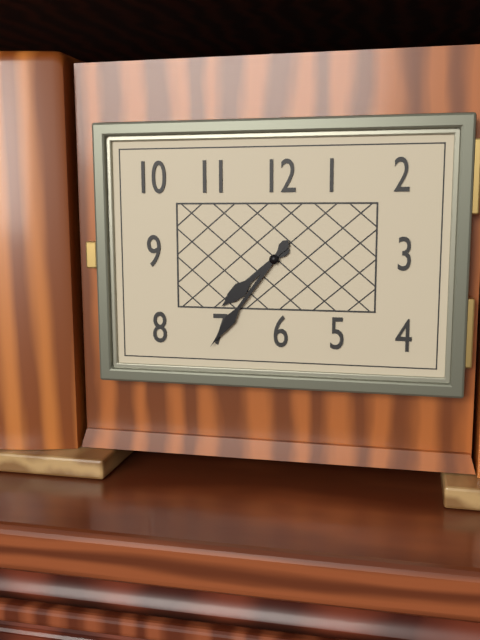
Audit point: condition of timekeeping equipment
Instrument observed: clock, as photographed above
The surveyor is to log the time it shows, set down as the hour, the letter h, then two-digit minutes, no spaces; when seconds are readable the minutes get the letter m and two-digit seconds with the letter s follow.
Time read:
7h36
